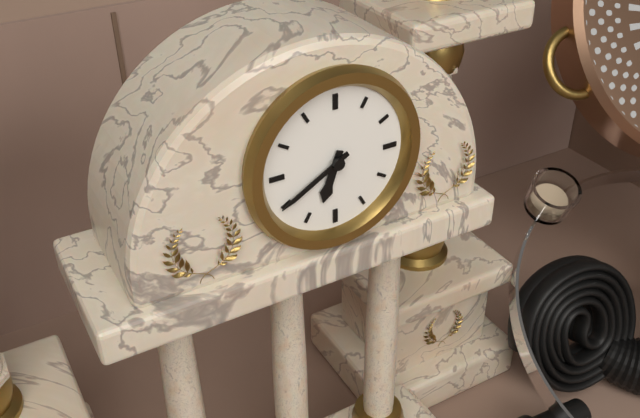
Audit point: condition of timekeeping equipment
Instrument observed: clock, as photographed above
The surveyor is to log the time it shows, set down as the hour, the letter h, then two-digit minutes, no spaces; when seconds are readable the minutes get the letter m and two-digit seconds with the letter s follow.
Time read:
6h40
